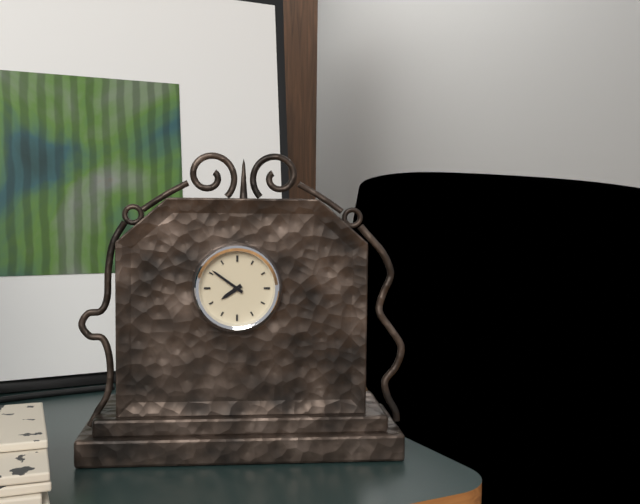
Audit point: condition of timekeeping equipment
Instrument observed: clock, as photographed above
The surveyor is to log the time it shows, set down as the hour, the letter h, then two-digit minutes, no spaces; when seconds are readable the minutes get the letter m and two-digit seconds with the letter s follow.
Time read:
7h51
